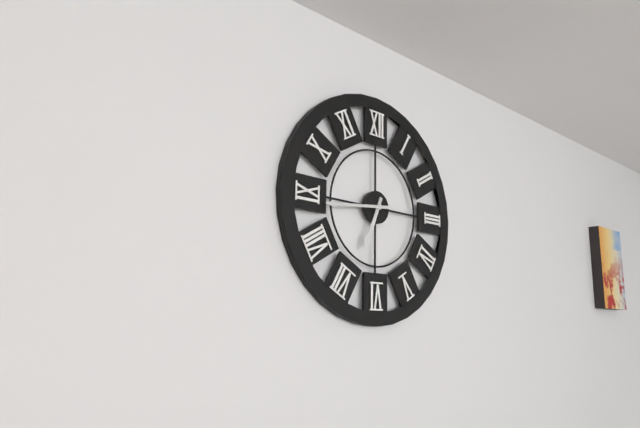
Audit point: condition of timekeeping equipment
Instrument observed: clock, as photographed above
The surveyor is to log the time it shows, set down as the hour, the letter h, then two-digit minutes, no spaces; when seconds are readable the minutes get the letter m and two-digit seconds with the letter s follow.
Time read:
6h44
